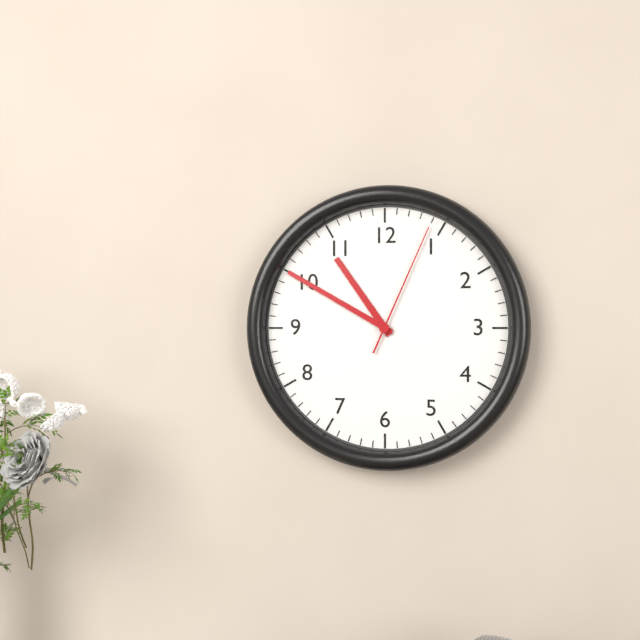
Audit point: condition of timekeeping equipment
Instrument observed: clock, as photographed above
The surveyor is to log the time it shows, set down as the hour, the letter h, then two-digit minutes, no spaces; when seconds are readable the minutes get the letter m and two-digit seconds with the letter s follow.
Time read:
10h50m04s
